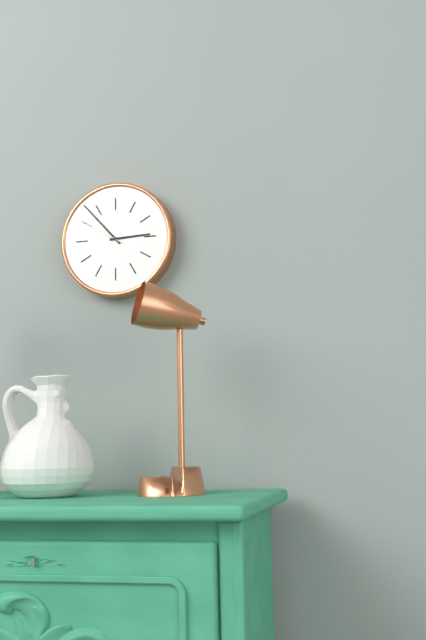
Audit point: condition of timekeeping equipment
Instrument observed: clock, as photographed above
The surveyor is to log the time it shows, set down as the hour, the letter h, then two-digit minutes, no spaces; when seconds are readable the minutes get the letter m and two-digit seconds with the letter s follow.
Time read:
2h53m50s
